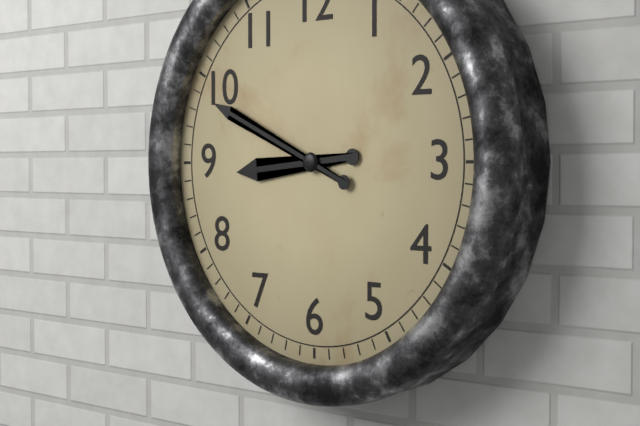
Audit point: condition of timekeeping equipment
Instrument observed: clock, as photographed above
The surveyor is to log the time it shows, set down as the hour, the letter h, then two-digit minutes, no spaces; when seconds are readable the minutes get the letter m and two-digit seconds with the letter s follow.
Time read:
8h49
